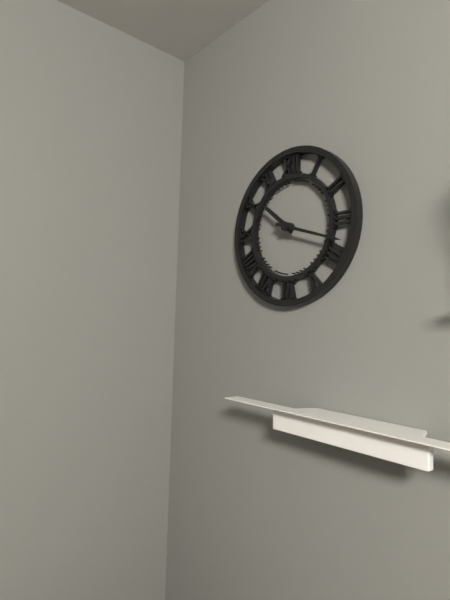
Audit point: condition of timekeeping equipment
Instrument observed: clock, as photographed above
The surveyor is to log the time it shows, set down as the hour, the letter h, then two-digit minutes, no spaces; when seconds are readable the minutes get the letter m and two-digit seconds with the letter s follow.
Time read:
10h18
